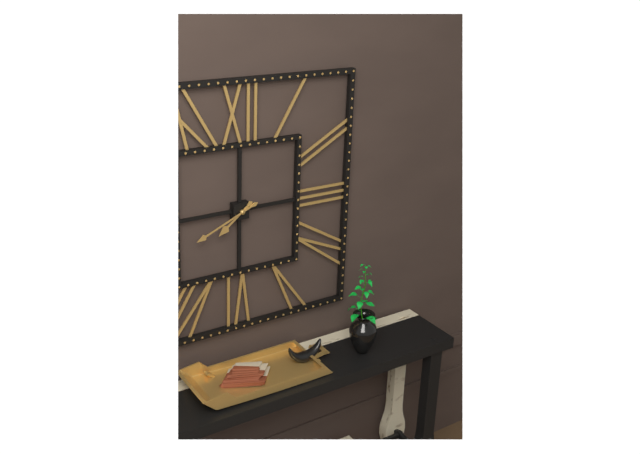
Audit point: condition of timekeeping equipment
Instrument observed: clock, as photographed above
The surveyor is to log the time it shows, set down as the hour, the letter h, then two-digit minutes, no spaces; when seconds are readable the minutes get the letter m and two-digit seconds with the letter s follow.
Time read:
7h41
